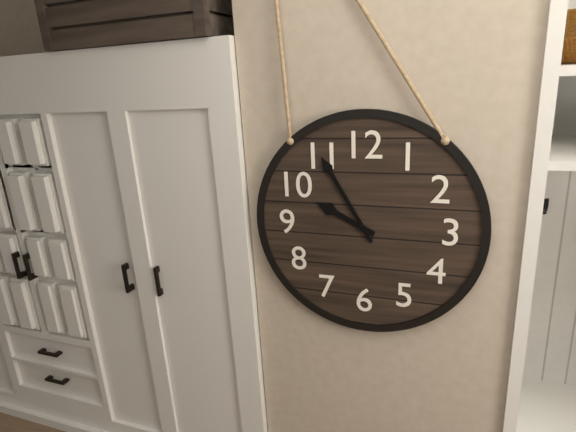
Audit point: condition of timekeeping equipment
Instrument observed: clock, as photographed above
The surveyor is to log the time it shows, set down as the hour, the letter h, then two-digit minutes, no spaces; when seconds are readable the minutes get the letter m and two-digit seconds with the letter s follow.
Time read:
9h55
